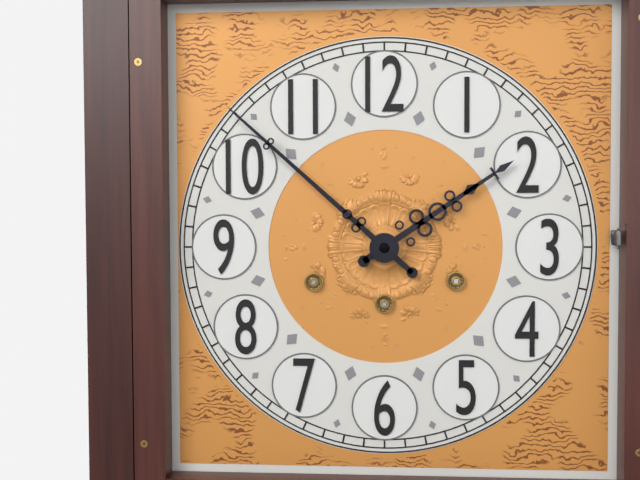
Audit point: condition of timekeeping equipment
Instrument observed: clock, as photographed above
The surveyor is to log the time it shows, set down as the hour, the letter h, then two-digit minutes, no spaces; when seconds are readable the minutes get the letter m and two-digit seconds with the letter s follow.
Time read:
1h52
